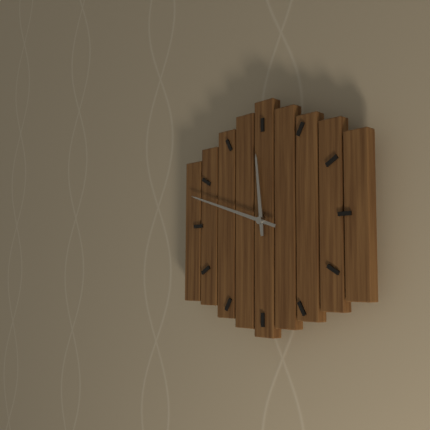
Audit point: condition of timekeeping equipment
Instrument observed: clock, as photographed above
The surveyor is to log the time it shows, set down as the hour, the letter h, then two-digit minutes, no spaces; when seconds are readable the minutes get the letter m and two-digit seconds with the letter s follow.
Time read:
11h48
